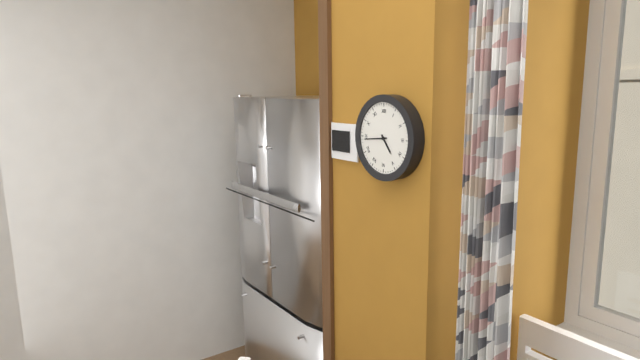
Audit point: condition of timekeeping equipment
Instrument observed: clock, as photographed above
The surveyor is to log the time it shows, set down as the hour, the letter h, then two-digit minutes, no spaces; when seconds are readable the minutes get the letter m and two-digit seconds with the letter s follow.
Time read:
4h44
